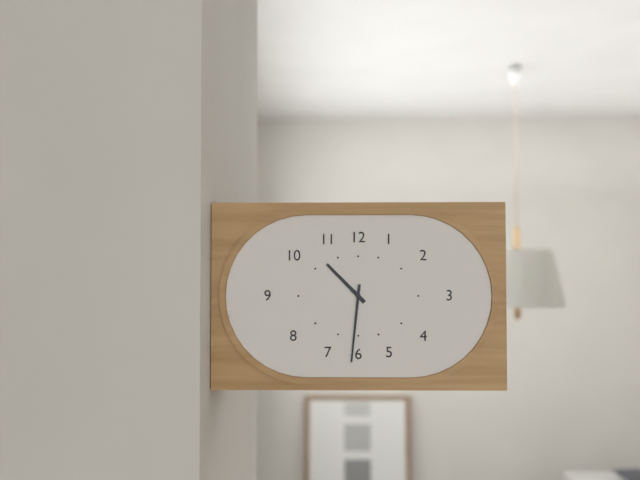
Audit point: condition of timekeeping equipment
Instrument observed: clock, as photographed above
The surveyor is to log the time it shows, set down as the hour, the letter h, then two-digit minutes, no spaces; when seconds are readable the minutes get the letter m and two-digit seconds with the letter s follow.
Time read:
10h31
